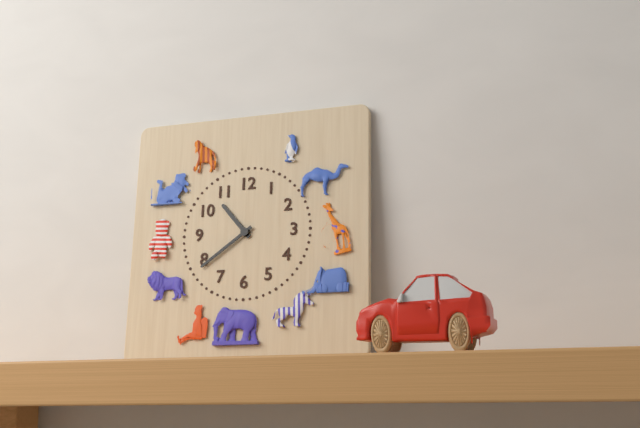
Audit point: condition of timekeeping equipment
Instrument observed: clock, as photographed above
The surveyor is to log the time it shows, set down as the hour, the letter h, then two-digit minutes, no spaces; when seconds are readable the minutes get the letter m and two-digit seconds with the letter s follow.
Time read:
10h39
